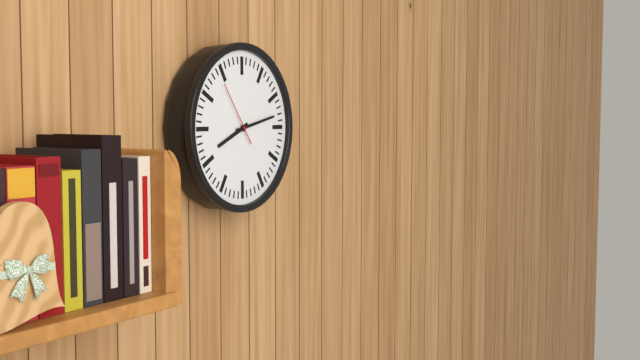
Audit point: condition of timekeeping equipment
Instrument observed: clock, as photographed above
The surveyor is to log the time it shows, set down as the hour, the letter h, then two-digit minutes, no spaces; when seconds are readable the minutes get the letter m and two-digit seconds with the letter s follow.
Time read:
8h13m54s
